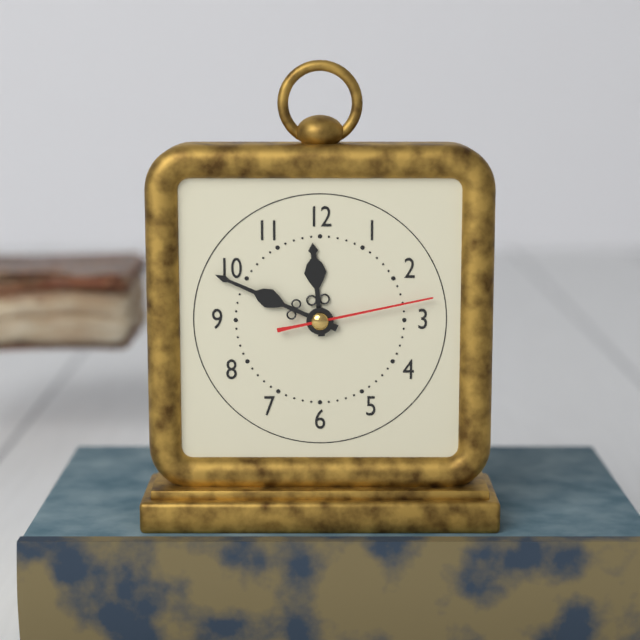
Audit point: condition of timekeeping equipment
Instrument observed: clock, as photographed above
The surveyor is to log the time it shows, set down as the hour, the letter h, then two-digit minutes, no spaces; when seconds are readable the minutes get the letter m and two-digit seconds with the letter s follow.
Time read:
11h49m13s
